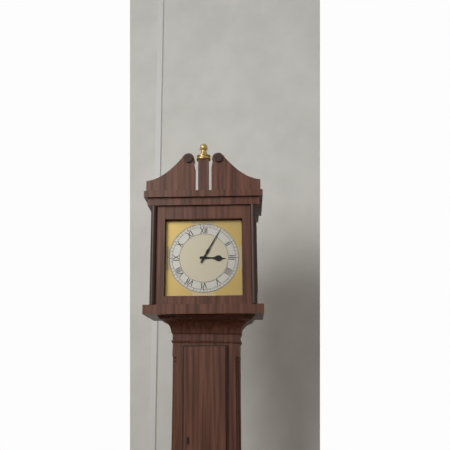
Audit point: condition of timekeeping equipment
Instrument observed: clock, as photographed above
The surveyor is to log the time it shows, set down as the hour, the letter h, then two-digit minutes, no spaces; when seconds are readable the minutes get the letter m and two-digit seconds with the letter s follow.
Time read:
3h05
